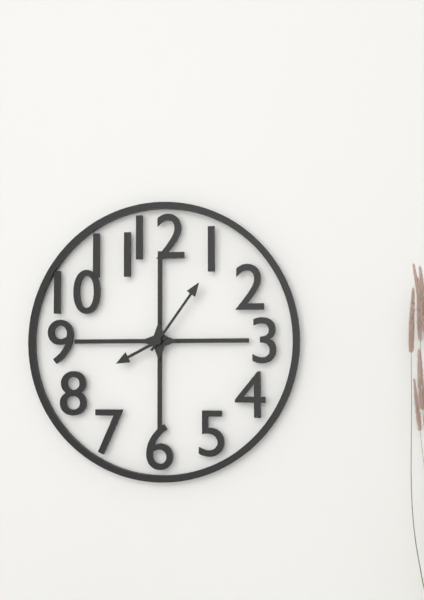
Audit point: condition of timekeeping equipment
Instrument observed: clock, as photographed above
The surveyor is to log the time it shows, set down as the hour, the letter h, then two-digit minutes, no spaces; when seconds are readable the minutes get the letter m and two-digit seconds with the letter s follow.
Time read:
8h06
